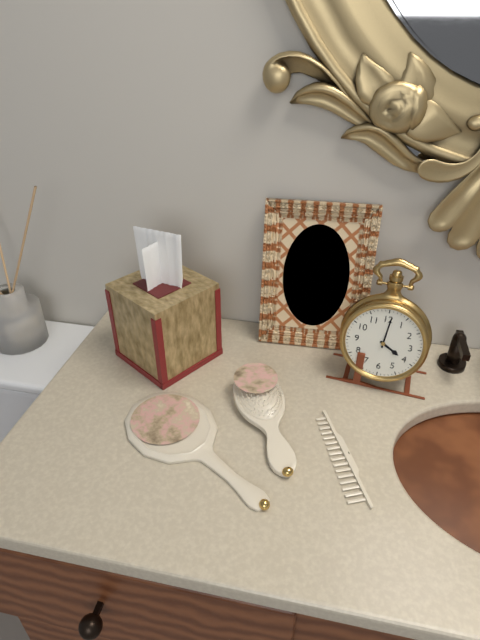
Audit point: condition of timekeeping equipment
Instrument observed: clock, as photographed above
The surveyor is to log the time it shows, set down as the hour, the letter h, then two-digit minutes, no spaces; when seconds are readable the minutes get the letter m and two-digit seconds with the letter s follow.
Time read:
4h01
